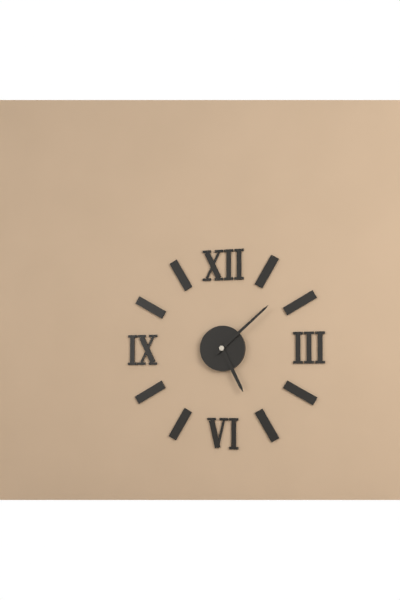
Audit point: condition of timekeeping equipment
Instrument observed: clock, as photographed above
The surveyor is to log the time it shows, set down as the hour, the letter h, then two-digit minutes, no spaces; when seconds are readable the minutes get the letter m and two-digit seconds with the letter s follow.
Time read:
5h08
